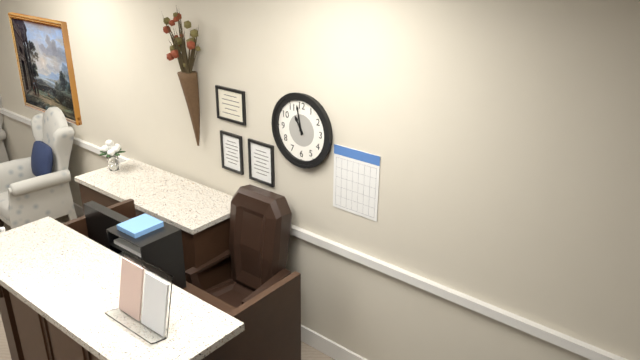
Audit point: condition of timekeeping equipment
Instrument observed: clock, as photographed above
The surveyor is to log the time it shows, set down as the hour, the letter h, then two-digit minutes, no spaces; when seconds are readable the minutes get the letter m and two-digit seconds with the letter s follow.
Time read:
10h58
